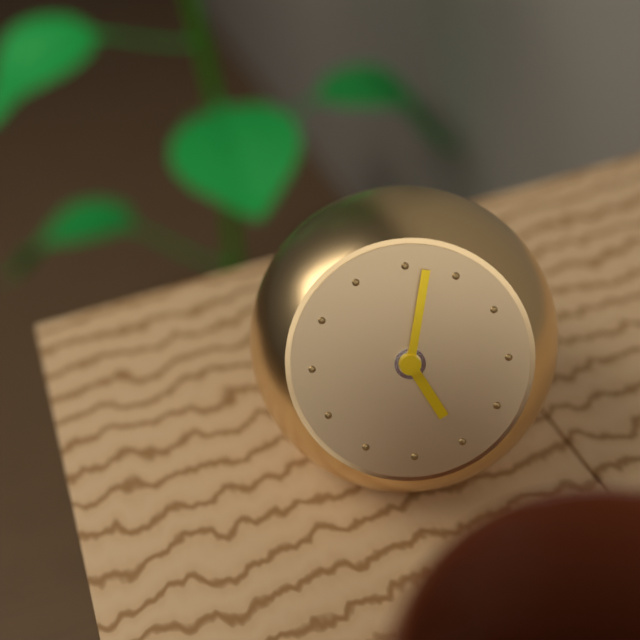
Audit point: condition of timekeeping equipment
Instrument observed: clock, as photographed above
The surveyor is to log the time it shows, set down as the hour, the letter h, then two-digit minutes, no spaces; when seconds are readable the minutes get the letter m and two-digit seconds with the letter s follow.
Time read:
5h02
